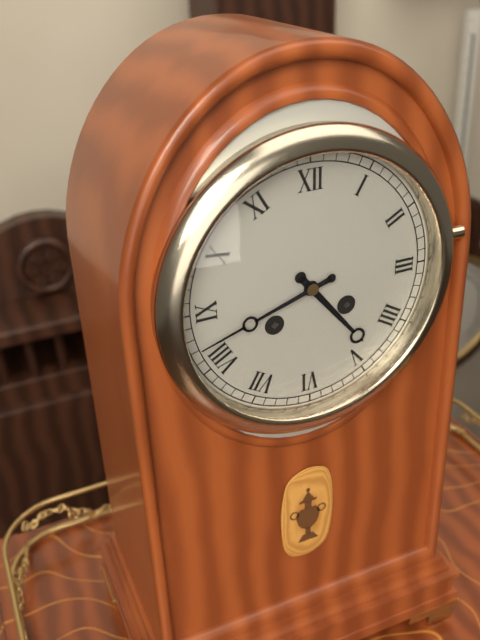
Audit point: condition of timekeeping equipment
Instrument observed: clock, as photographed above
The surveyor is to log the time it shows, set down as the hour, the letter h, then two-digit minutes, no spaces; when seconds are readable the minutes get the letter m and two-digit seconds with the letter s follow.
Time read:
4h42
